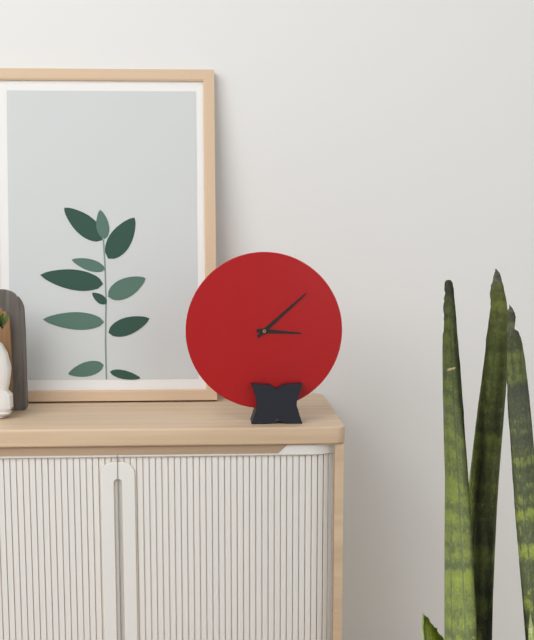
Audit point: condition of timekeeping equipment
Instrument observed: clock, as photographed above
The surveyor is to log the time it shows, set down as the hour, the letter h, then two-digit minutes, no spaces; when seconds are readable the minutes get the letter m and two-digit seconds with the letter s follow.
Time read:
3h08
